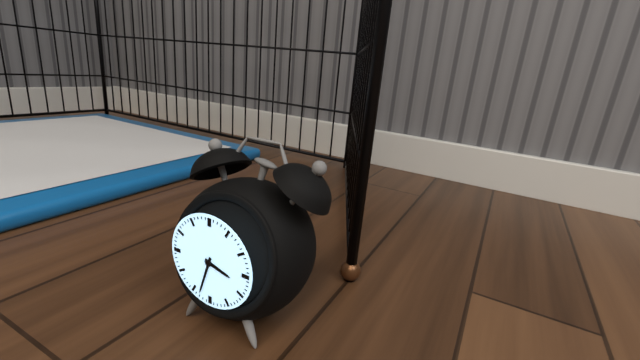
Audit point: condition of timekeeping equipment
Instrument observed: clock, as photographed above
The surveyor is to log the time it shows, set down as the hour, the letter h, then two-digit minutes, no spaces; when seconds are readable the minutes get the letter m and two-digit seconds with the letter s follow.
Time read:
3h33
